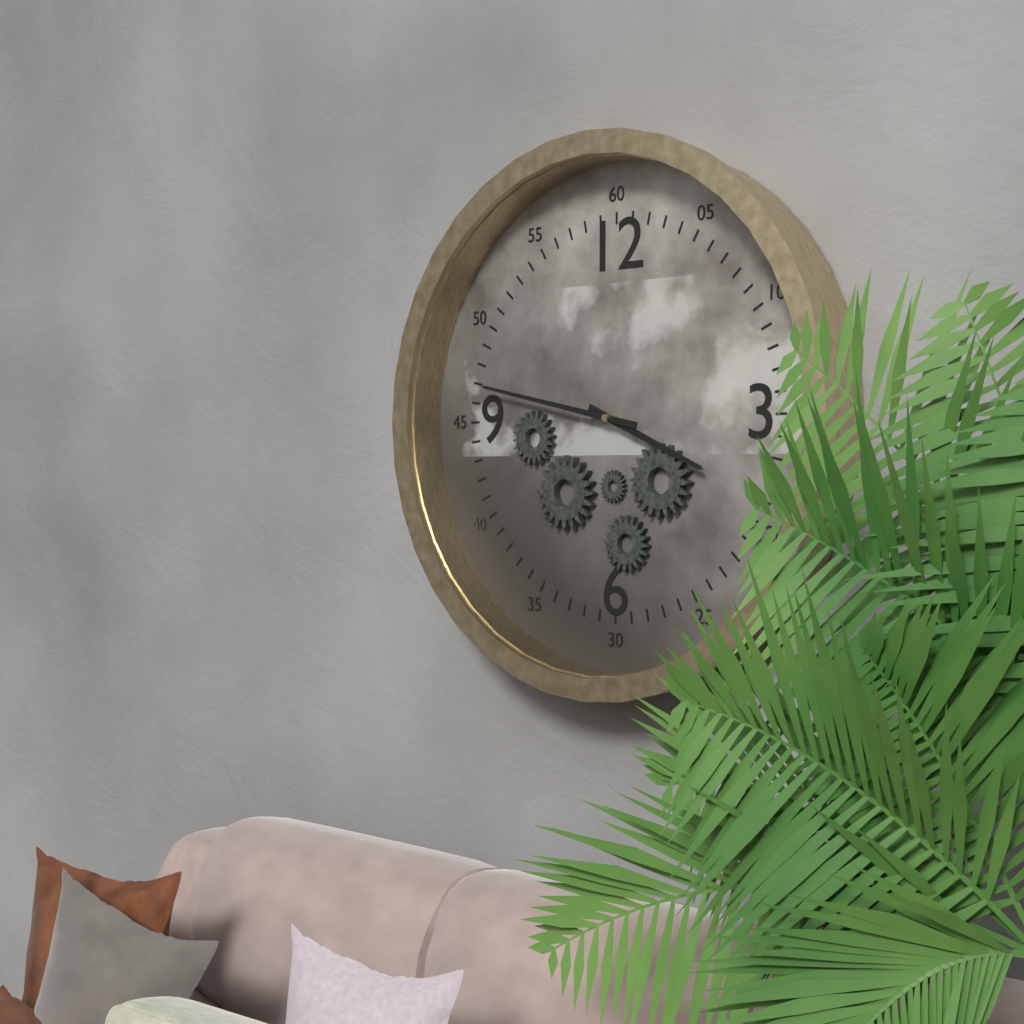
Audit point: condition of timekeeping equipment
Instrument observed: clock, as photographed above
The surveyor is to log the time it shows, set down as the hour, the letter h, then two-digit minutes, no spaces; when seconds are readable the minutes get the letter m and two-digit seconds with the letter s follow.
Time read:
3h47
